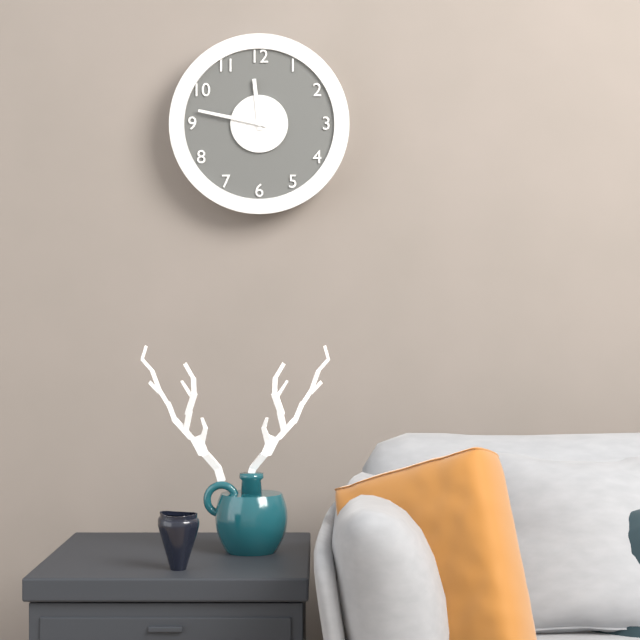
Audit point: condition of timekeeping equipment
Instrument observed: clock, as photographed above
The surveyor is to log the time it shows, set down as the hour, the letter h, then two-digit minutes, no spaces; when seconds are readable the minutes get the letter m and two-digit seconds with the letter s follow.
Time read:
11h47
